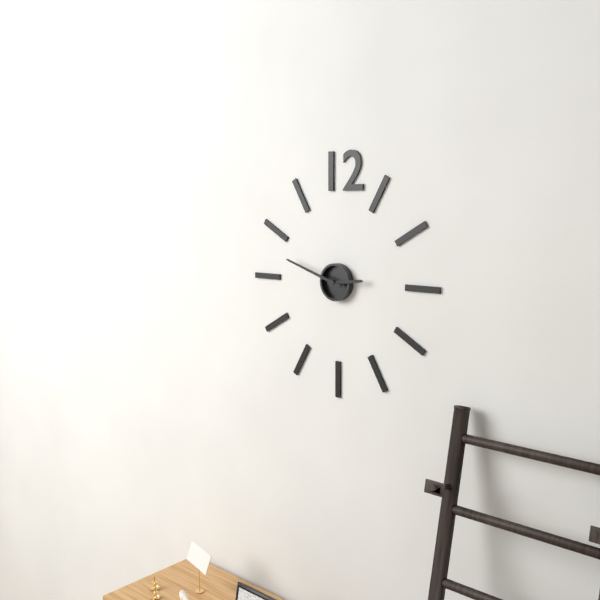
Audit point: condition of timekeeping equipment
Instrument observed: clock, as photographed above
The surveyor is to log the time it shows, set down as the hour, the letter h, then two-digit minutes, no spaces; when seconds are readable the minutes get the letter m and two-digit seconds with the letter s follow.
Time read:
2h48
